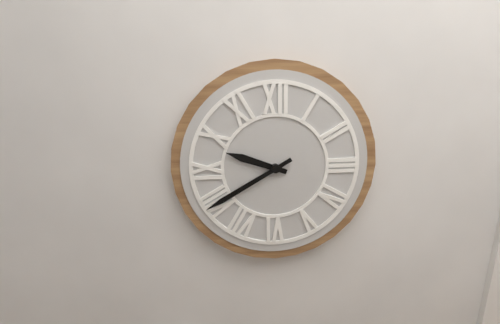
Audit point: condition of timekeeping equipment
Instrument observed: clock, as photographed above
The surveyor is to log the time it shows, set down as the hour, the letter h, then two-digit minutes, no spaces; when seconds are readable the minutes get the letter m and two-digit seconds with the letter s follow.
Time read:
9h40
